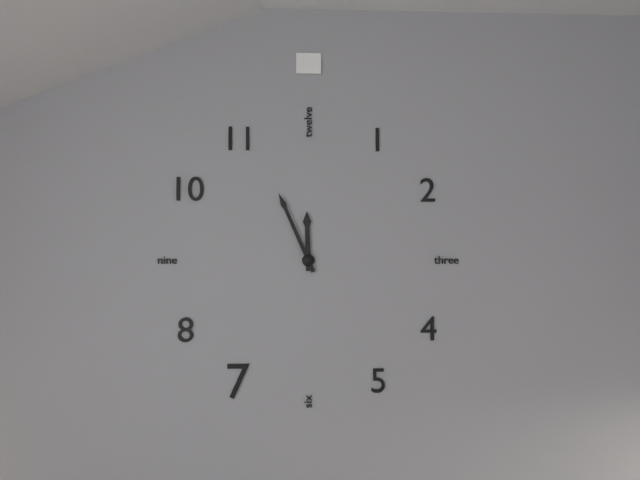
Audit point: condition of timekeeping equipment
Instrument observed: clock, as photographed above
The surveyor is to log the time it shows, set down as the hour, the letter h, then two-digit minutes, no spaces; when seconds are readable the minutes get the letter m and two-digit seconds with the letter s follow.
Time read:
11h56
